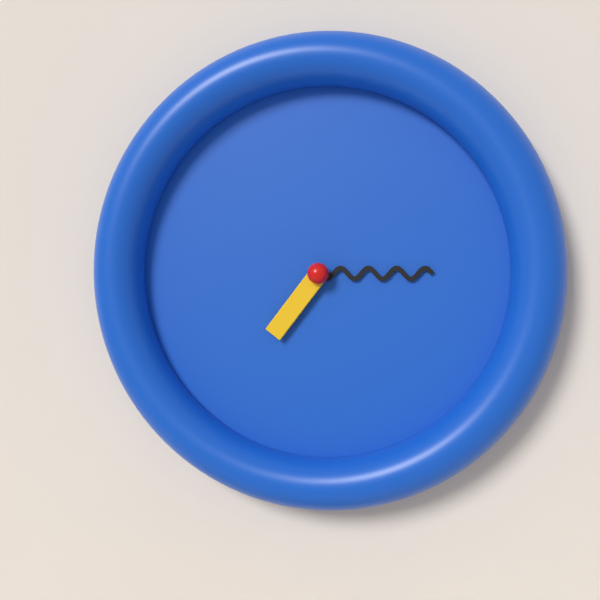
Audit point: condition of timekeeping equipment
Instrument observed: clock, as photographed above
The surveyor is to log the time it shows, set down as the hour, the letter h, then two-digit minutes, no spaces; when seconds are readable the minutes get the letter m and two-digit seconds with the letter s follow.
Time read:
7h15
